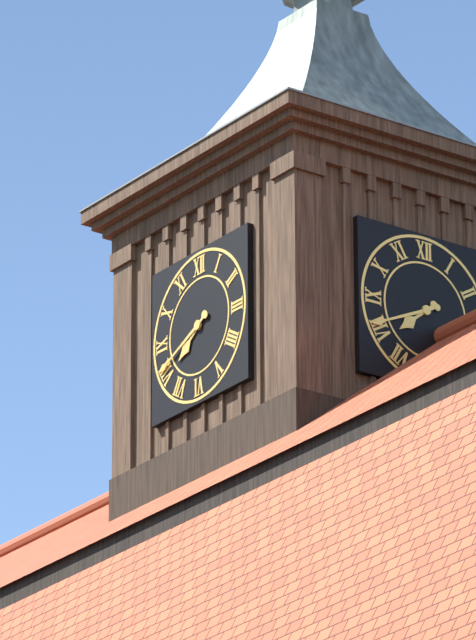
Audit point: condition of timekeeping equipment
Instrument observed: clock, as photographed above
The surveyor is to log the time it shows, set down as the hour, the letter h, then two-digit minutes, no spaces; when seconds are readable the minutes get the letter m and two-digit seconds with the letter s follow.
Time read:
7h41
